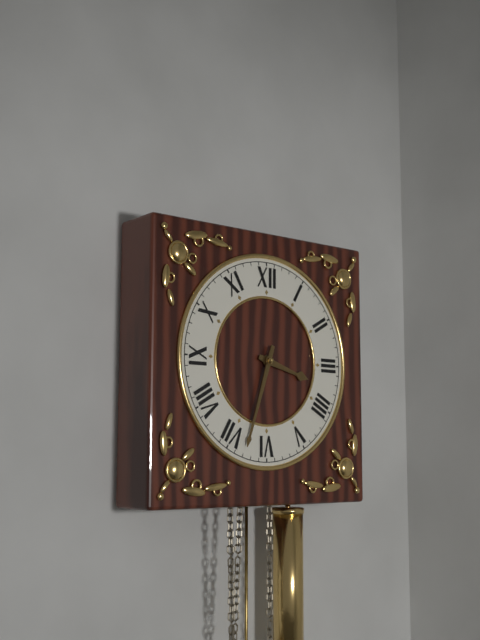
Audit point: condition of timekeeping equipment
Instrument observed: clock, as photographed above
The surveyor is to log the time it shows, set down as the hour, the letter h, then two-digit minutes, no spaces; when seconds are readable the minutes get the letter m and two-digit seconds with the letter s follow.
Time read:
3h33
